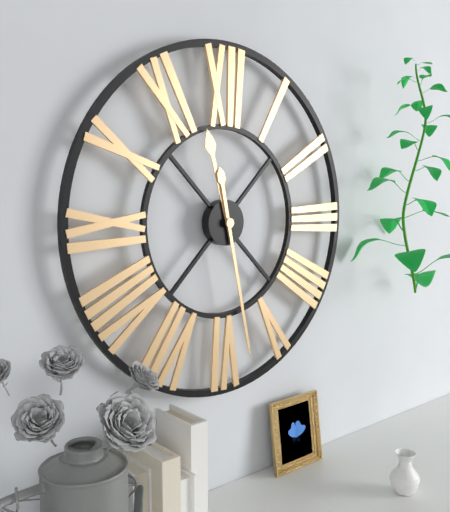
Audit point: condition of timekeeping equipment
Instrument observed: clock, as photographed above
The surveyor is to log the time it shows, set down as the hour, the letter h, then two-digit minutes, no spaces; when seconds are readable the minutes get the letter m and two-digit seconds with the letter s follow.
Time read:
11h28
